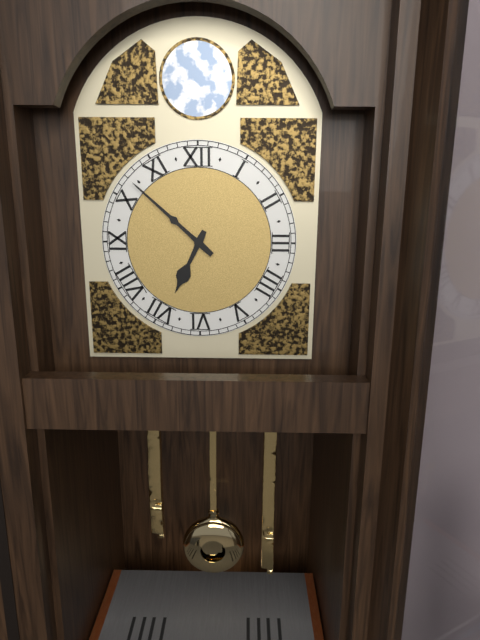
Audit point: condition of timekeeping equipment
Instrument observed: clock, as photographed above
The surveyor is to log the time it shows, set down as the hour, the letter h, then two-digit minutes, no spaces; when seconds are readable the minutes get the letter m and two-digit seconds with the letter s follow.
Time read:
6h52
